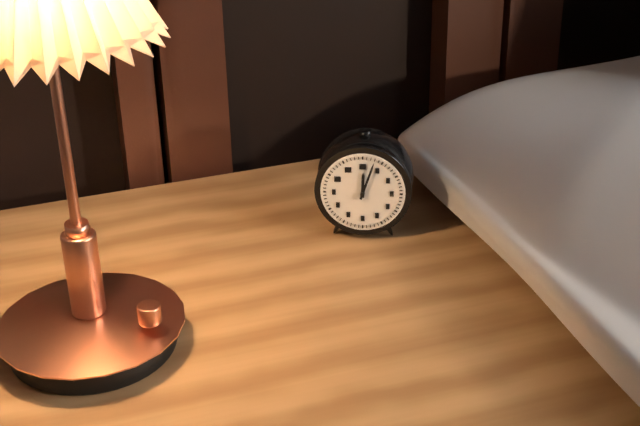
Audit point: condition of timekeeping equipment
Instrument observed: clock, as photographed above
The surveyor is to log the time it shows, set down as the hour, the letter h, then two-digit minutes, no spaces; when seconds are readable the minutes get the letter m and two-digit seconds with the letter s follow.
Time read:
12h03
